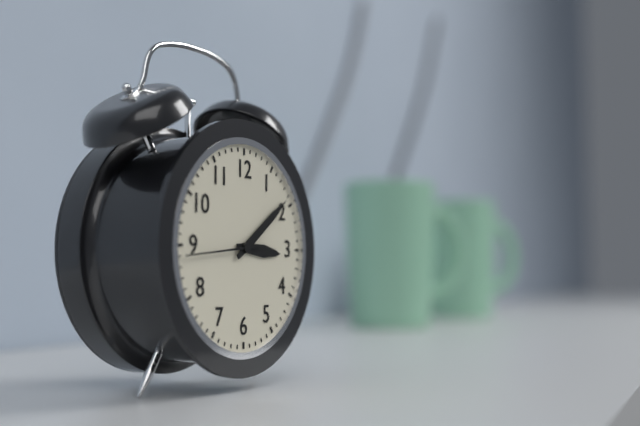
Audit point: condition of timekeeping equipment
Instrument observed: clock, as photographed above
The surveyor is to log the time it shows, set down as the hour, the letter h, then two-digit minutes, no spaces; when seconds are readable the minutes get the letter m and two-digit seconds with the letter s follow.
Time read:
3h09m44s
